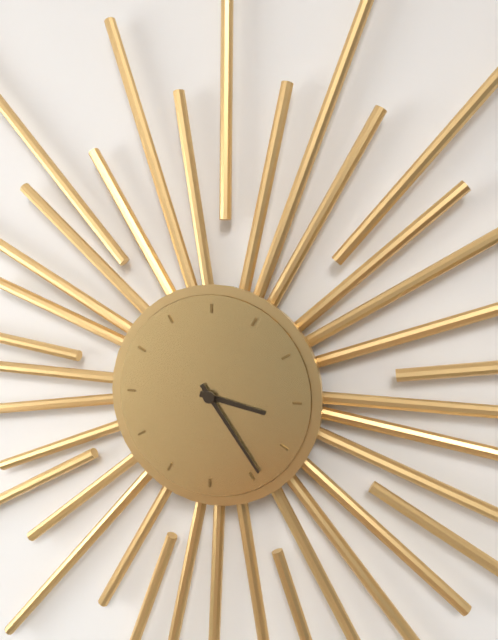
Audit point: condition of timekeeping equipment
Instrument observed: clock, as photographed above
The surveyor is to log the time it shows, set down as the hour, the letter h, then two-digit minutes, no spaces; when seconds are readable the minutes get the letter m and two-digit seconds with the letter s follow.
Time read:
3h24
